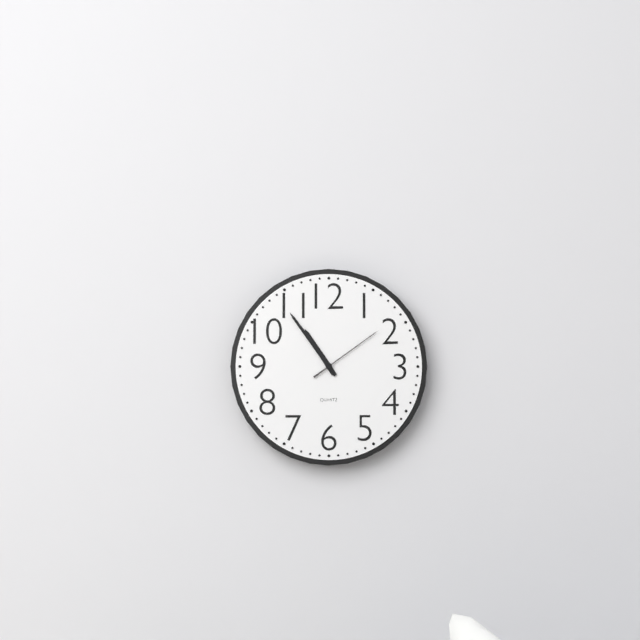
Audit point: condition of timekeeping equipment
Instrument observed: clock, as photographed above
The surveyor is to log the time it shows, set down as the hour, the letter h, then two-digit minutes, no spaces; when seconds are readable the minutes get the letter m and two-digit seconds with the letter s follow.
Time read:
10h54m09s
